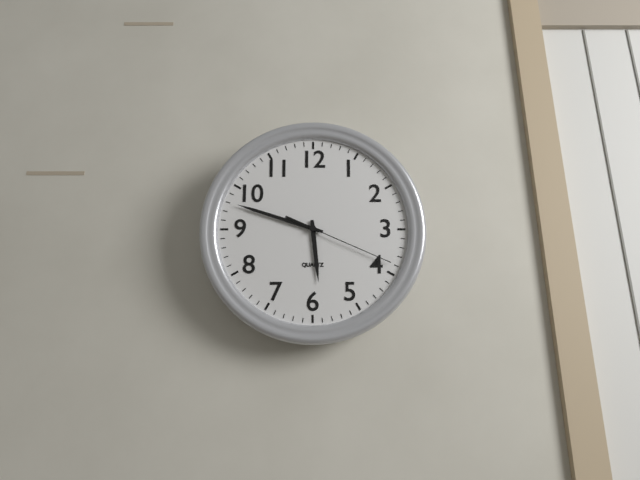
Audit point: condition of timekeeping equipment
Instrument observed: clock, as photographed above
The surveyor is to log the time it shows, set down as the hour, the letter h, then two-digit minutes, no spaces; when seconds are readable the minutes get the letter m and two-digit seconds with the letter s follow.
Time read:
5h48m19s
